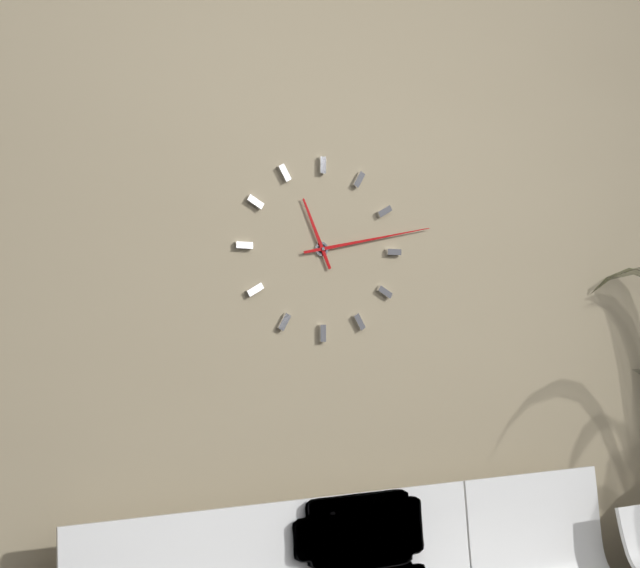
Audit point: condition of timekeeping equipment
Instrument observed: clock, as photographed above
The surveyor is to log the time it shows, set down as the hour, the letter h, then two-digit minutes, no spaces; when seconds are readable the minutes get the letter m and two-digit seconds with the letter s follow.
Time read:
11h13
